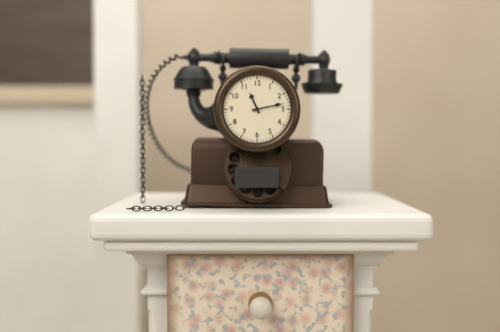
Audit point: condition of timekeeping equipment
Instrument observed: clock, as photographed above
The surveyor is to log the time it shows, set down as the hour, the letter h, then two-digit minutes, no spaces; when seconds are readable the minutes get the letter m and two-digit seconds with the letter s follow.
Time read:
11h13
